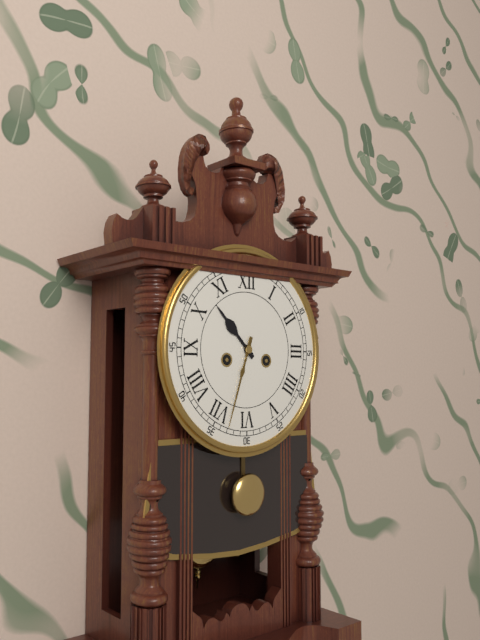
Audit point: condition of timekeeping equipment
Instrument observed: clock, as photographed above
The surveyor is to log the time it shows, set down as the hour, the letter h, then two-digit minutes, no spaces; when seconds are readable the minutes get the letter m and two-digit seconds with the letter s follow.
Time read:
10h33
